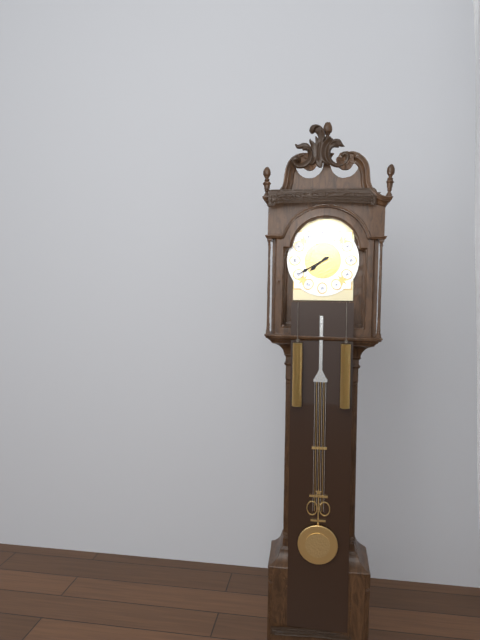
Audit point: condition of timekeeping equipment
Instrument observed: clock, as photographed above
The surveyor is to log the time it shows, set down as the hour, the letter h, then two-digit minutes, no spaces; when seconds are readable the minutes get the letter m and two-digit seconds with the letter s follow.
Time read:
7h40
